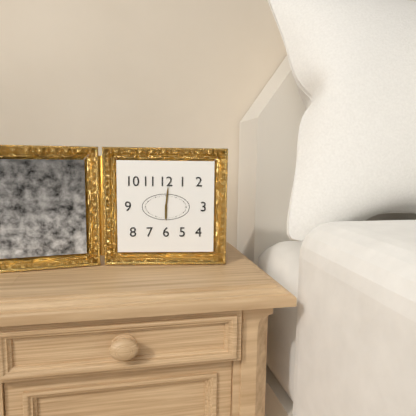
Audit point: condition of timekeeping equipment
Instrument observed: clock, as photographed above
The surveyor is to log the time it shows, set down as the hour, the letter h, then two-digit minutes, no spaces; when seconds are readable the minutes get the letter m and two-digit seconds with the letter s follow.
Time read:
6h01
